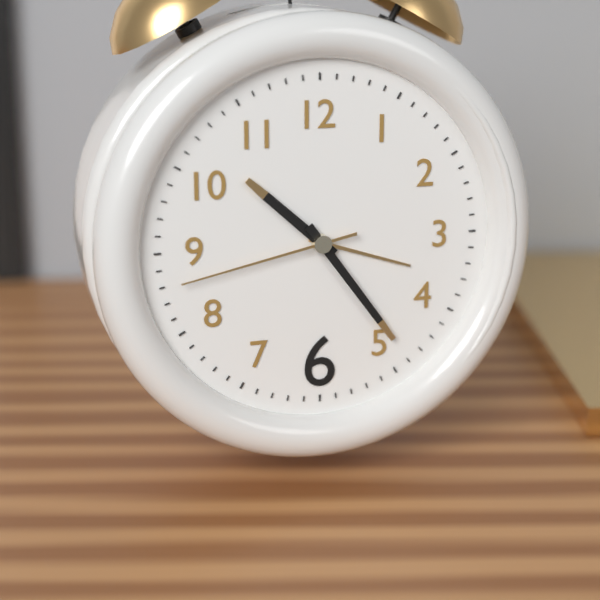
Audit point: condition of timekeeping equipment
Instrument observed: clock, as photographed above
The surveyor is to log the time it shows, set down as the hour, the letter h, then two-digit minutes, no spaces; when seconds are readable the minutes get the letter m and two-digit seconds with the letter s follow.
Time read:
10h24m43s
